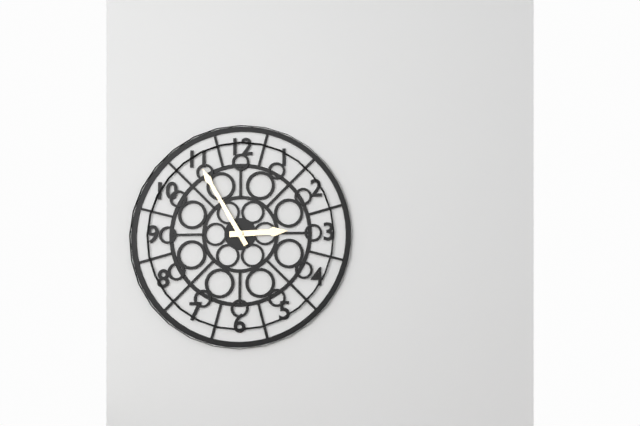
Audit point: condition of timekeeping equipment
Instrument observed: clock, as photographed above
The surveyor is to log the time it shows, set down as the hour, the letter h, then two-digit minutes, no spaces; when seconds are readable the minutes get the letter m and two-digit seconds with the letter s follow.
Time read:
2h55
